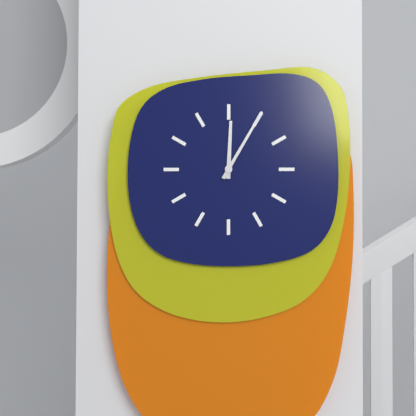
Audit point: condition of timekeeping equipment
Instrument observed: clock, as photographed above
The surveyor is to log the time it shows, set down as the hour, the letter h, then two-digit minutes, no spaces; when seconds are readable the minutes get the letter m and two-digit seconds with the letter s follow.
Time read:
12h05
